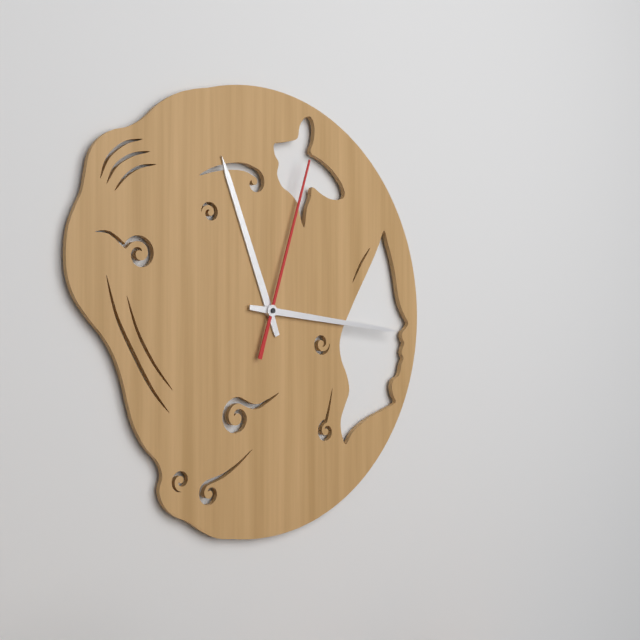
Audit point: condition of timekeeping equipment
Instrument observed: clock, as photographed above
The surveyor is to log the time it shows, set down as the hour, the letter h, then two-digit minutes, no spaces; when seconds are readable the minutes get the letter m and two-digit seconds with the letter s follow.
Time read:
11h16m03s
